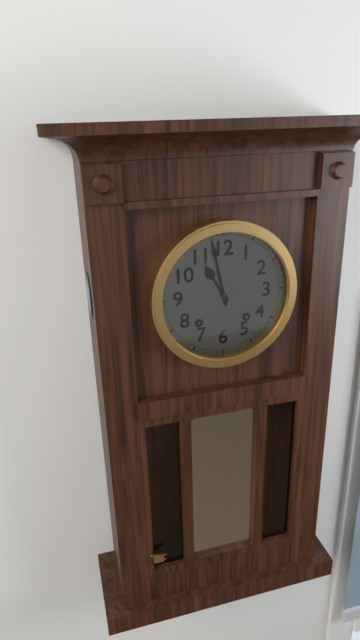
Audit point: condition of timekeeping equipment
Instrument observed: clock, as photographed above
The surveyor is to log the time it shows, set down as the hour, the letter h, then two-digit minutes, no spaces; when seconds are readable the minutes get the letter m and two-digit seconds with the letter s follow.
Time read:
10h58
